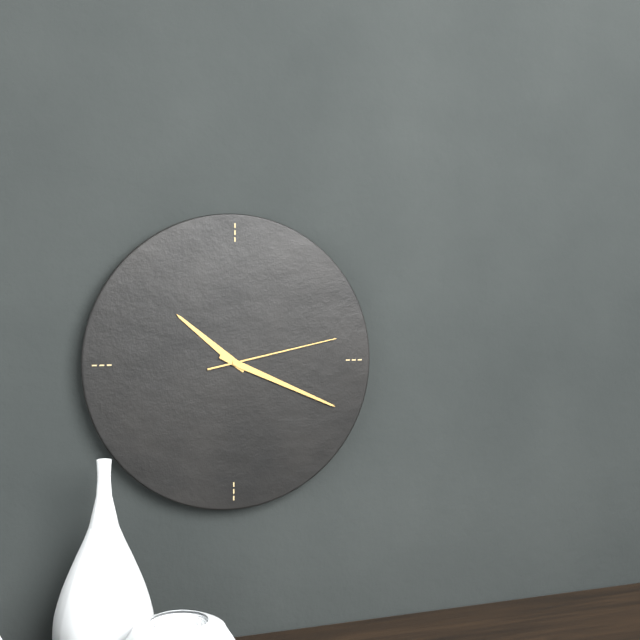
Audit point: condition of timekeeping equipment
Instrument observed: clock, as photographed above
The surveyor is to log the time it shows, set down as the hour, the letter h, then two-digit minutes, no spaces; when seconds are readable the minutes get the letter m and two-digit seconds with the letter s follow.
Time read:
10h19m13s
